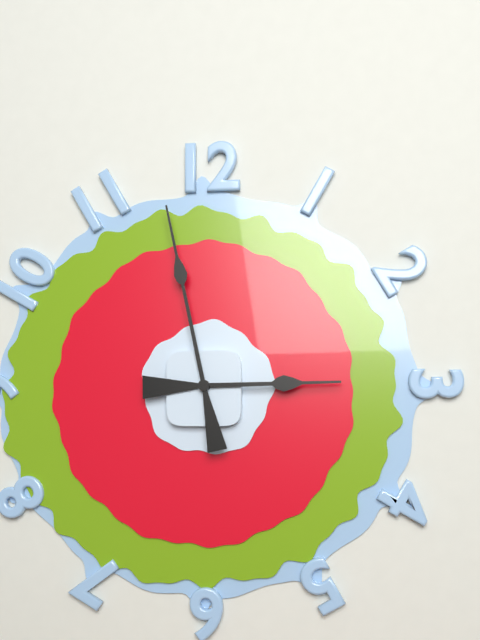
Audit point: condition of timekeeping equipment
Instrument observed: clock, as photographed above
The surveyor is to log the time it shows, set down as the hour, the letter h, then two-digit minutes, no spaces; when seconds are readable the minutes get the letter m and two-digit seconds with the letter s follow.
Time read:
2h58
